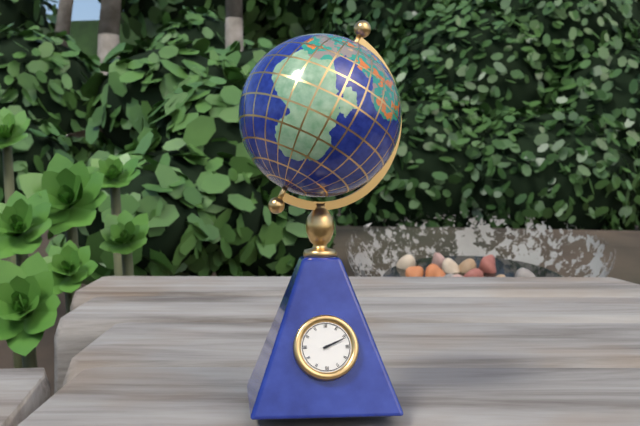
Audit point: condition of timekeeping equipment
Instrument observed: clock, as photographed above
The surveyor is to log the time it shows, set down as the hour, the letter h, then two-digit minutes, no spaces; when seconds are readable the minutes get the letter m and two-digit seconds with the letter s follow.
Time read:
2h11
